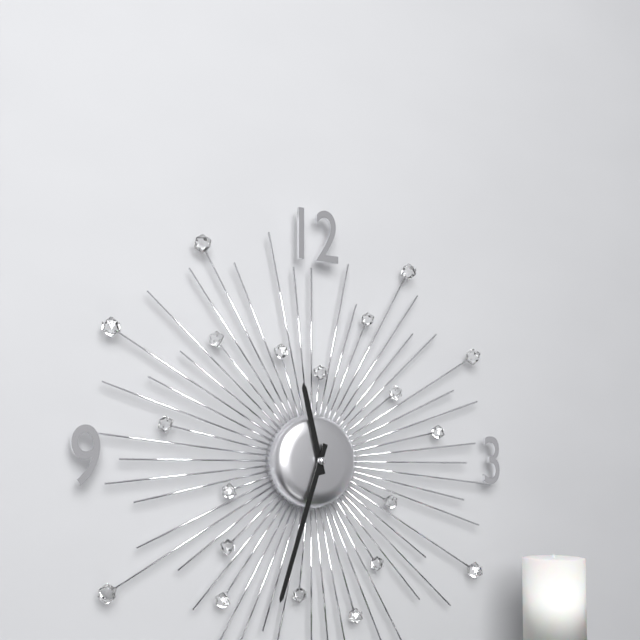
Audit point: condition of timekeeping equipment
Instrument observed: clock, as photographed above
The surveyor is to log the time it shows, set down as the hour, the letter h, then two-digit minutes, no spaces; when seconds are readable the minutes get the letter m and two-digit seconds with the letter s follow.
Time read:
11h33
